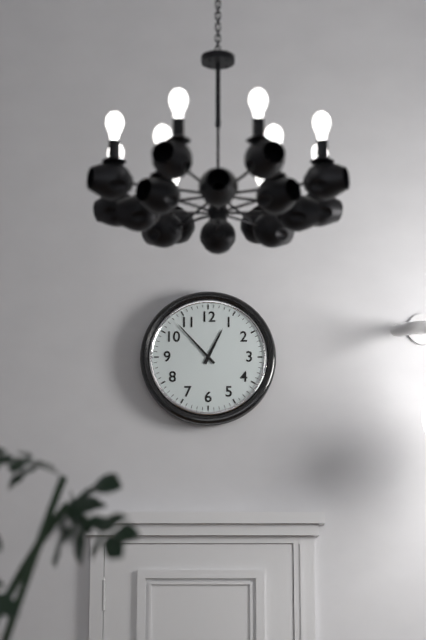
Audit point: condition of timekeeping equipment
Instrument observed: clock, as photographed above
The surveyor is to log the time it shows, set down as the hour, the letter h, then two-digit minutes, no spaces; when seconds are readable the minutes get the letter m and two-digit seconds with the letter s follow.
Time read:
12h53
